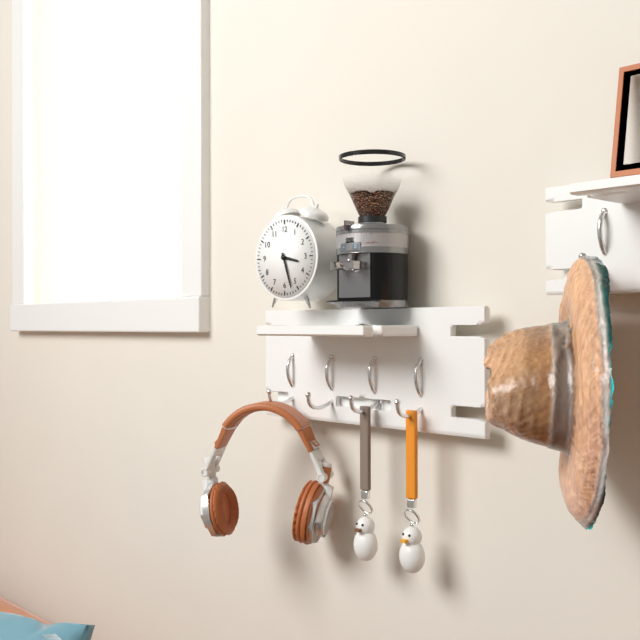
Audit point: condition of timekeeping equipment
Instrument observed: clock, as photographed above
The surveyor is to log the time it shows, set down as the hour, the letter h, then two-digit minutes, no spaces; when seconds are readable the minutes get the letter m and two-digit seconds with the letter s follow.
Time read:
3h27
